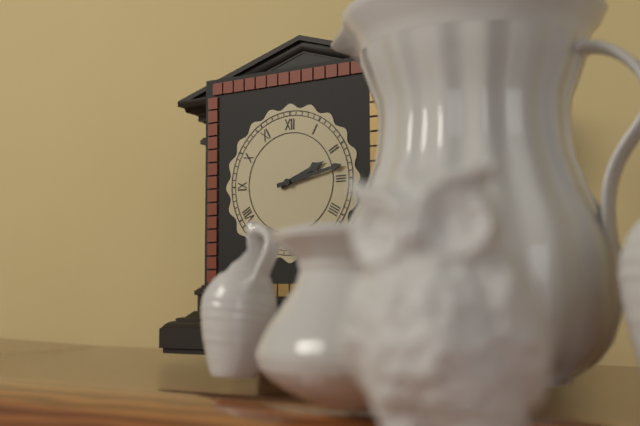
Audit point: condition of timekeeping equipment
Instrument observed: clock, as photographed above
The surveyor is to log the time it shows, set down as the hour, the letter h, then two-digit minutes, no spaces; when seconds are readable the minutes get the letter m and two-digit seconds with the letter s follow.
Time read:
2h13
